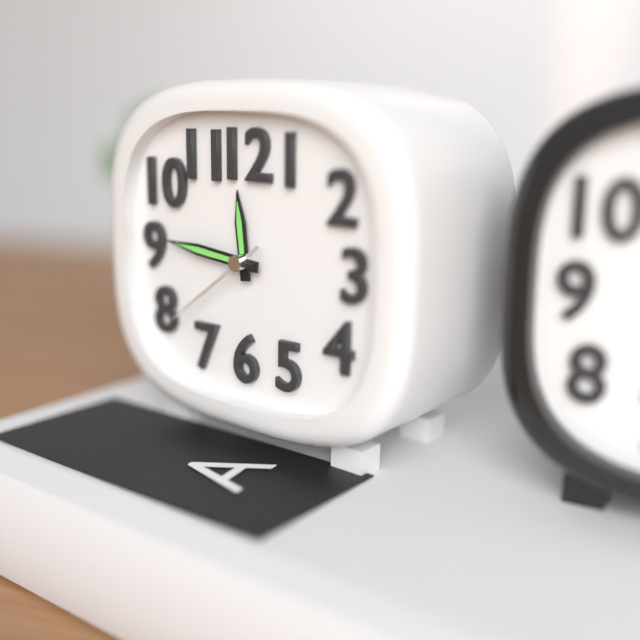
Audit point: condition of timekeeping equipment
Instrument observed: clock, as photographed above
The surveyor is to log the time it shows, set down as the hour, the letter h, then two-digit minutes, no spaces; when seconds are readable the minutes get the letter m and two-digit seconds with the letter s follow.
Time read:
11h46m39s
